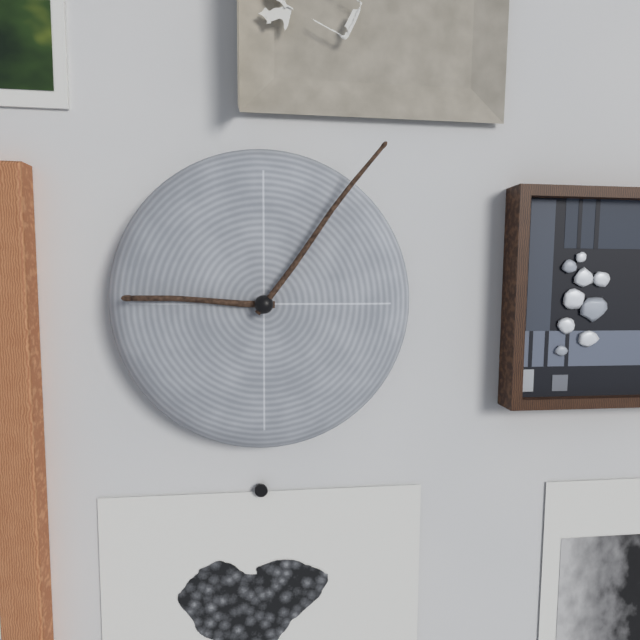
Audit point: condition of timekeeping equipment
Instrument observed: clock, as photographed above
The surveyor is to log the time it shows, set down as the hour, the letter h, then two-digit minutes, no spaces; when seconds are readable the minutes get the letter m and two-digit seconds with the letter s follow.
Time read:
9h06
